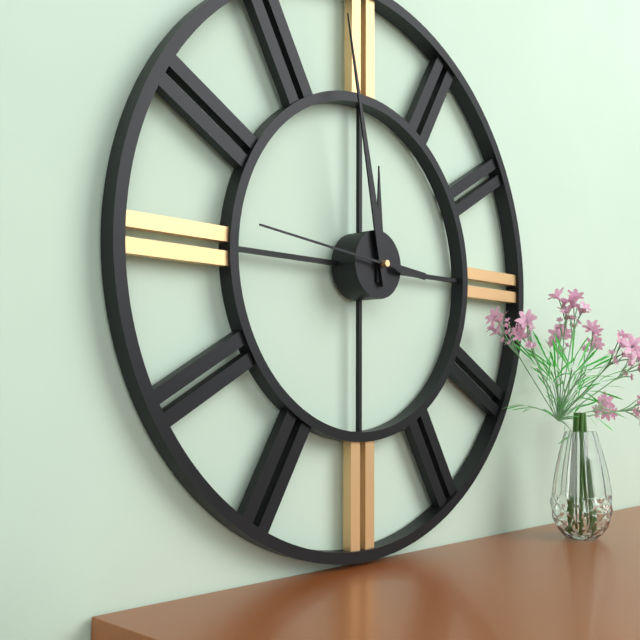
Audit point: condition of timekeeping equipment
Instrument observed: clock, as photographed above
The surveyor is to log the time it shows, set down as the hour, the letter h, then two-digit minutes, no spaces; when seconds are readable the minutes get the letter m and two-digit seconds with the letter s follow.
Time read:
11h58m46s
